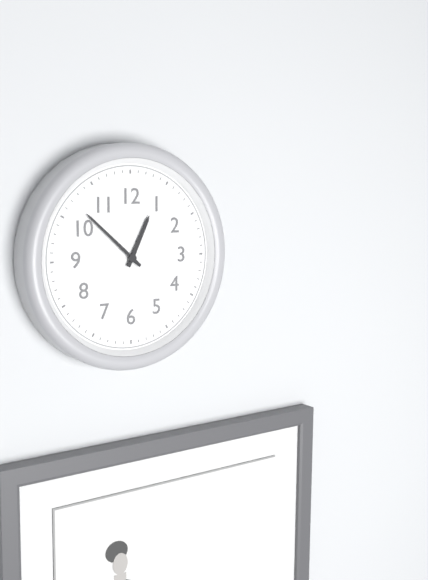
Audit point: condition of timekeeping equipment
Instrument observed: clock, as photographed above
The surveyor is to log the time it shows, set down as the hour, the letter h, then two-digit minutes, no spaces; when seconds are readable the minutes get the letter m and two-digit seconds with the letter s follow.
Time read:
12h52
